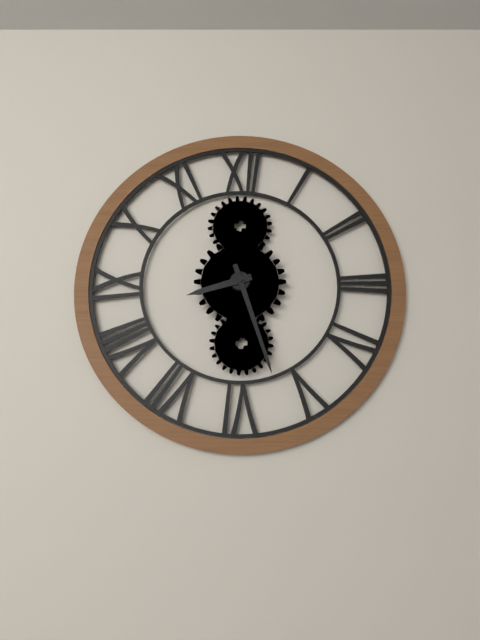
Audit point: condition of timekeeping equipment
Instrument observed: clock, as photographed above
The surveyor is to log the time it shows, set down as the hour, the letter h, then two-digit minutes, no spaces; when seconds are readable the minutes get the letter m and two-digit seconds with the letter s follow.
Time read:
8h27
